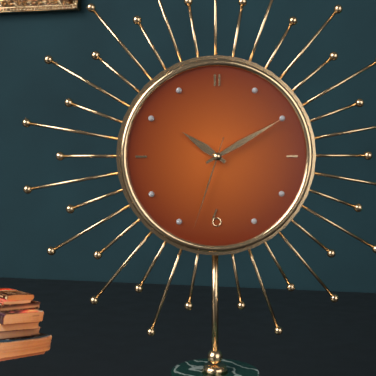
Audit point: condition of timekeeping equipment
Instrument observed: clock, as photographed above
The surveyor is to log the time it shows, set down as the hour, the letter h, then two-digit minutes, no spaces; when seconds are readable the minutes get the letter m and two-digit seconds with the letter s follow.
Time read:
10h10m33s
